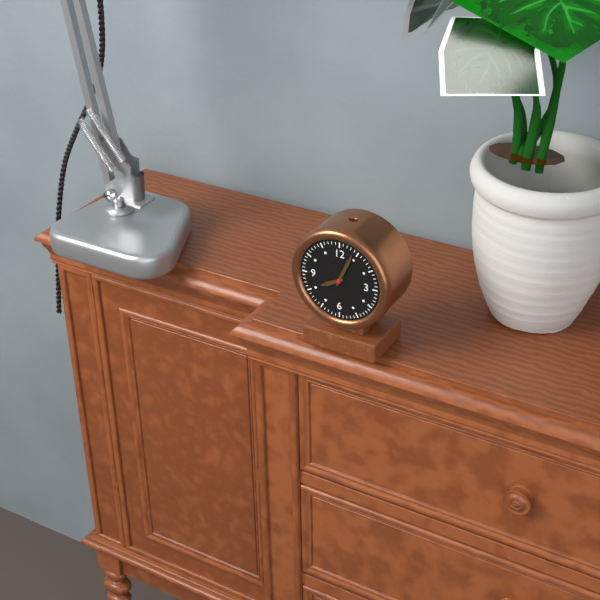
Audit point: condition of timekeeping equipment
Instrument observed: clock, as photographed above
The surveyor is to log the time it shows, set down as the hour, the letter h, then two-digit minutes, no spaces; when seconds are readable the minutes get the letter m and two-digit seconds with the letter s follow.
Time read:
8h04
